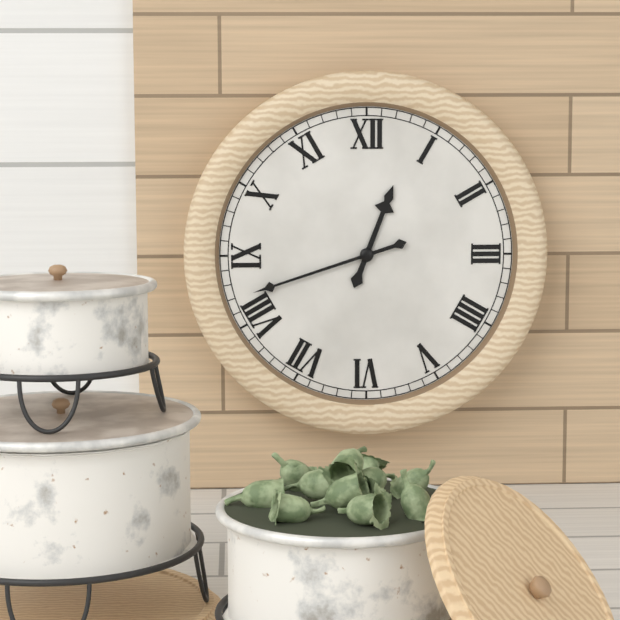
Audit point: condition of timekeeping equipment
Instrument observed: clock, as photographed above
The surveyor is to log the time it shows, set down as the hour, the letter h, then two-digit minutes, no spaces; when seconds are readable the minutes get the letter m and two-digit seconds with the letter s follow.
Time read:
12h42
